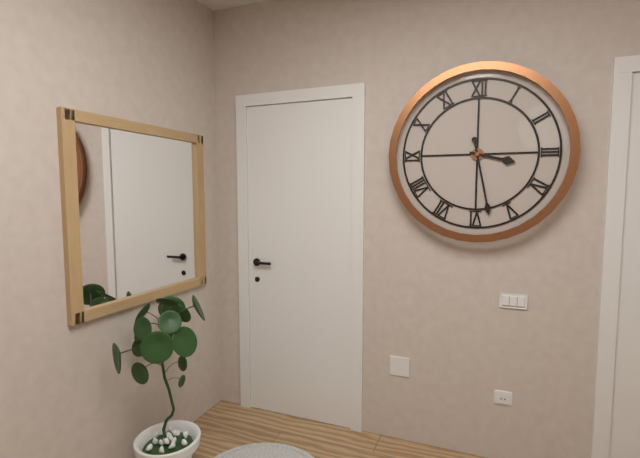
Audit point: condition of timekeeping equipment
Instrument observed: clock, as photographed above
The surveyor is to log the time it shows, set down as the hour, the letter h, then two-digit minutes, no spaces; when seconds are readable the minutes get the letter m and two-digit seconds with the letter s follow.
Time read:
3h28
